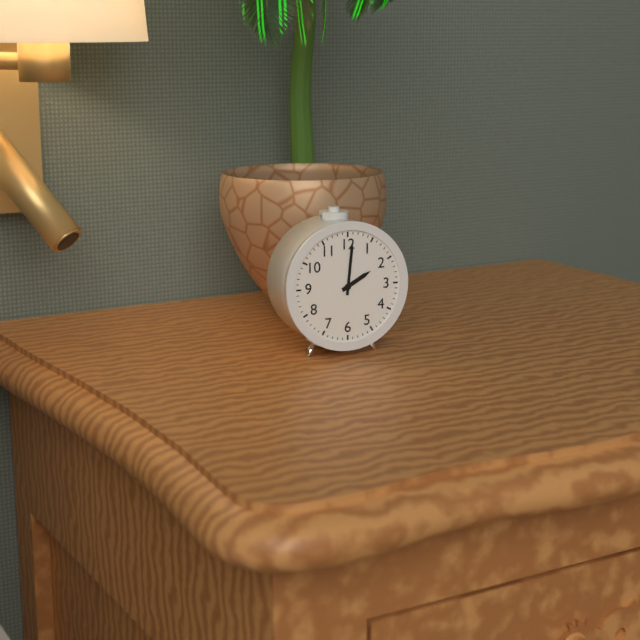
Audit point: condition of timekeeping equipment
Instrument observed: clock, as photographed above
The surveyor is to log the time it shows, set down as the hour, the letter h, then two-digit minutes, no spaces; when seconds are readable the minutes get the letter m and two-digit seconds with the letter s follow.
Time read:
2h01
